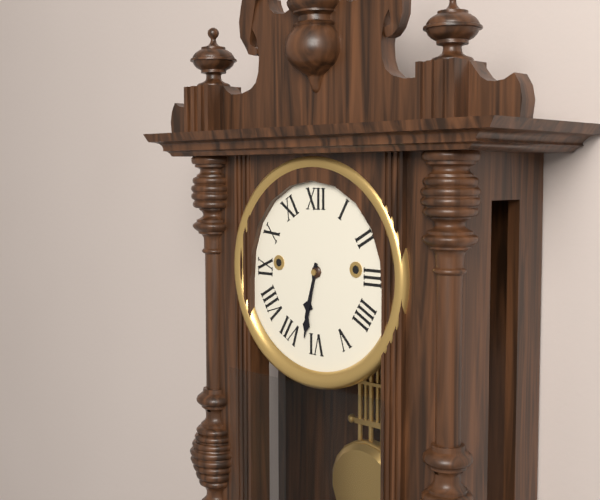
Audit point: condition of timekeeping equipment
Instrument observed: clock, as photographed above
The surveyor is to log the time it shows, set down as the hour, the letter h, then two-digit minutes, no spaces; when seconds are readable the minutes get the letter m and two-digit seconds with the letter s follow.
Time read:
6h32
